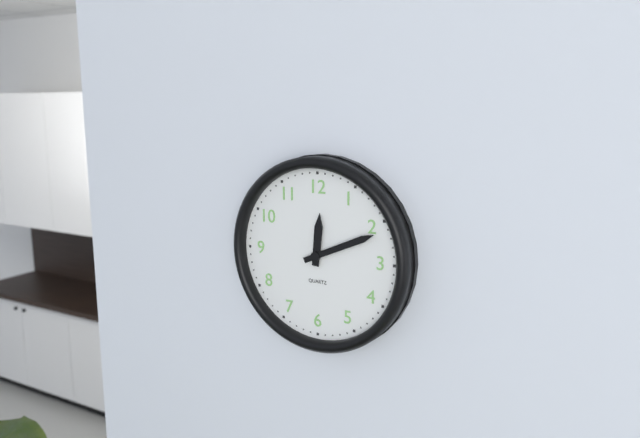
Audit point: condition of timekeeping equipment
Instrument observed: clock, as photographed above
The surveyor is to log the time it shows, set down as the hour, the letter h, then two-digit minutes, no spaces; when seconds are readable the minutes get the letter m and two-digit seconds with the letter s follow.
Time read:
12h11
